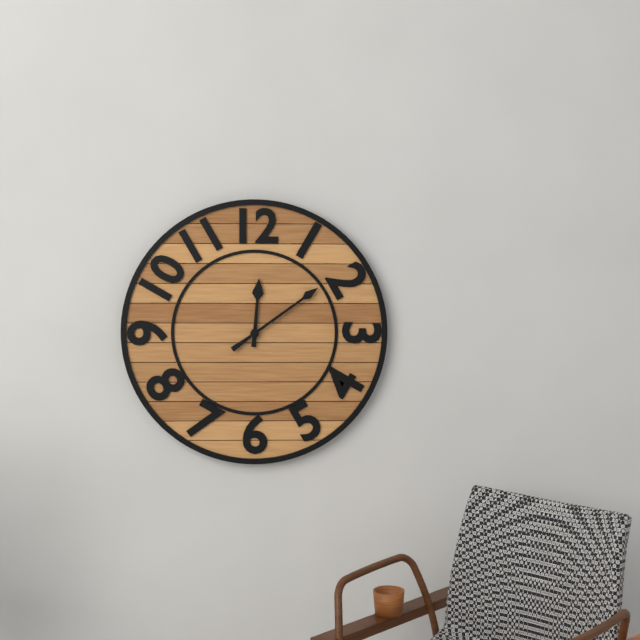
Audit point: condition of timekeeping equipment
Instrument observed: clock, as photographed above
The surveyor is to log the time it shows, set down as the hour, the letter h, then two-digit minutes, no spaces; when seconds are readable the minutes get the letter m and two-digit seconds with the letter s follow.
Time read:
12h09
